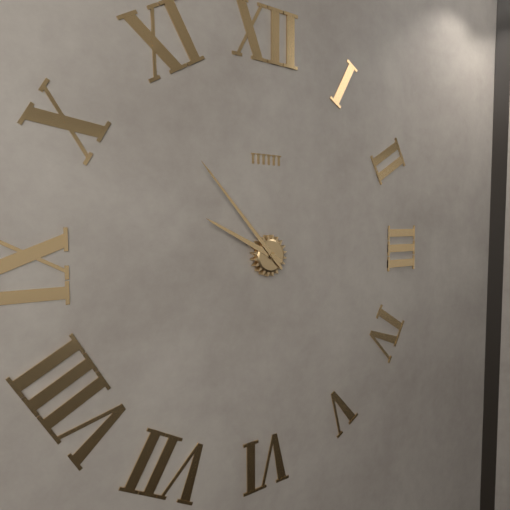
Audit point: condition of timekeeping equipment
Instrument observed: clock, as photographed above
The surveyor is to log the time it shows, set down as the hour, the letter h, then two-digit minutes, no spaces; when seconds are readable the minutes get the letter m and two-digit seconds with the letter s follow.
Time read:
9h53
